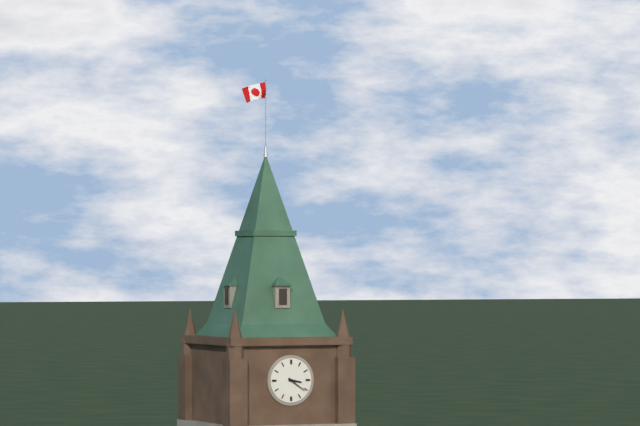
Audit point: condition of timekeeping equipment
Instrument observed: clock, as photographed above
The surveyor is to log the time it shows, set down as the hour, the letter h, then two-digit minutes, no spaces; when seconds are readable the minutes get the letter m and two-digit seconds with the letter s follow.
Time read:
3h21
